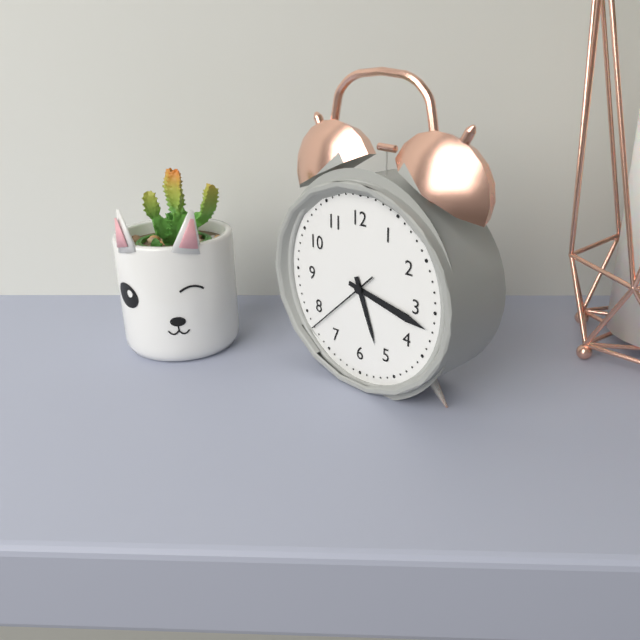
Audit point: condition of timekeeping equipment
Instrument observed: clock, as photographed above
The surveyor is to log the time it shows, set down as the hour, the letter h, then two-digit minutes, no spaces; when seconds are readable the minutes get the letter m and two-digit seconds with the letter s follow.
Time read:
5h17m38s
